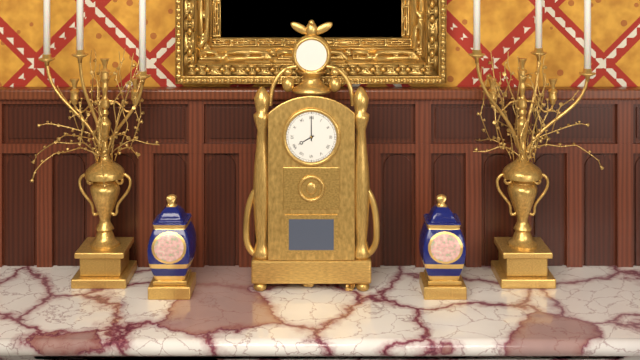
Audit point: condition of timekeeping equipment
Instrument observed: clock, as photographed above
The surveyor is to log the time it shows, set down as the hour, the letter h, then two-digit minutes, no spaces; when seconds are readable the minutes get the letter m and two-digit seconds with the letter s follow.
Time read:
8h00
